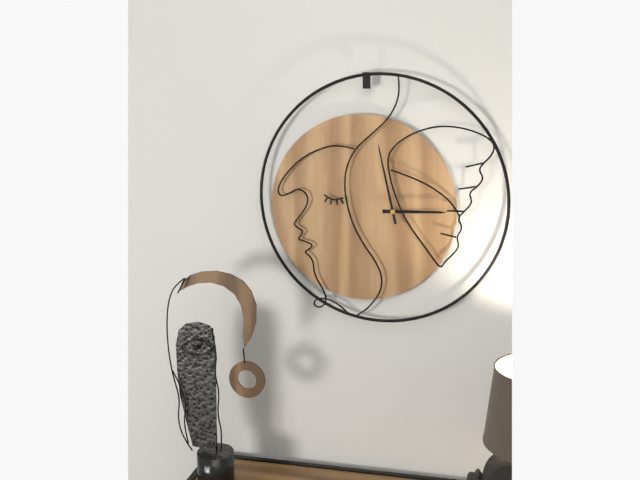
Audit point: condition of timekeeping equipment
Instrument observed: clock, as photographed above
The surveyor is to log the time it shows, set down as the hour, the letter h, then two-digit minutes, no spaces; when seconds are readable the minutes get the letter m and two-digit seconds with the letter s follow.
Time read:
2h58
